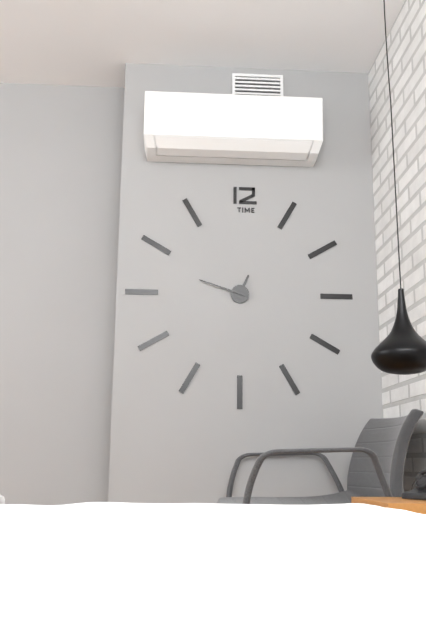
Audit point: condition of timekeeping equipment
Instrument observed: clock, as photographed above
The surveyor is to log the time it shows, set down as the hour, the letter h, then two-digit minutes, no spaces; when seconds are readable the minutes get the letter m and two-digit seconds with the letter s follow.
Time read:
12h48
